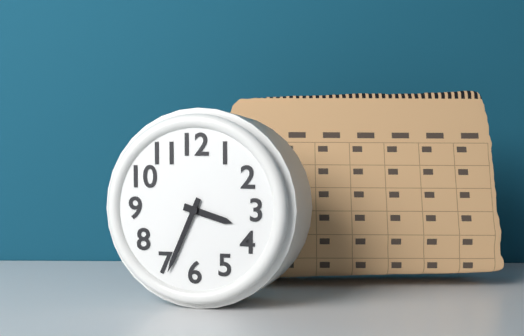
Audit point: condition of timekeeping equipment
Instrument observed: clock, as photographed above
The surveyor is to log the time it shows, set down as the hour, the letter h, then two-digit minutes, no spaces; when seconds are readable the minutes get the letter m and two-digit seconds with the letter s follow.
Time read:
3h34
